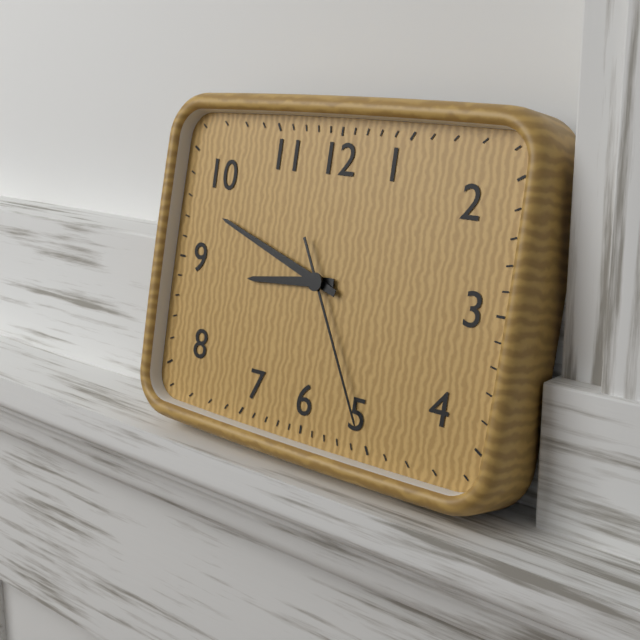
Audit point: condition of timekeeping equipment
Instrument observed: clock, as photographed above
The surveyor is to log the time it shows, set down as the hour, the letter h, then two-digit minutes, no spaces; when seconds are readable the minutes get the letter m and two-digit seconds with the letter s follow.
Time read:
8h48m25s
